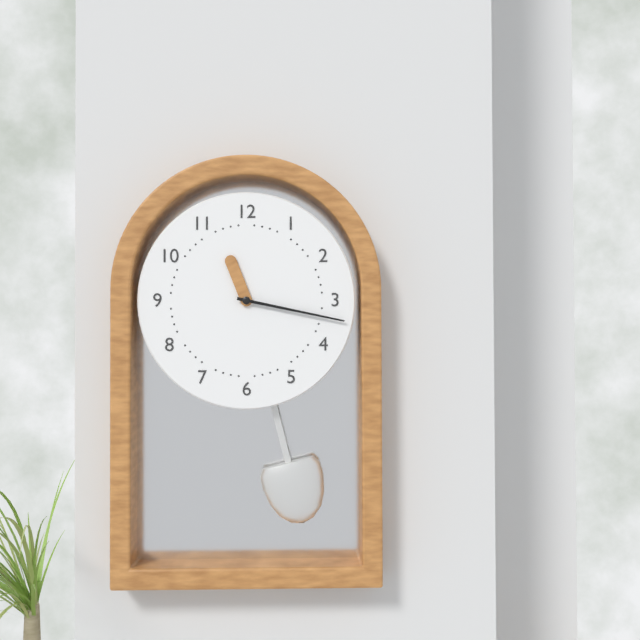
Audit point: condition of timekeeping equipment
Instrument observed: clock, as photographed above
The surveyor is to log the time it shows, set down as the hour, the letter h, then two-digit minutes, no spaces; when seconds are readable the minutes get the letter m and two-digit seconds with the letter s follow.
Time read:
11h17
